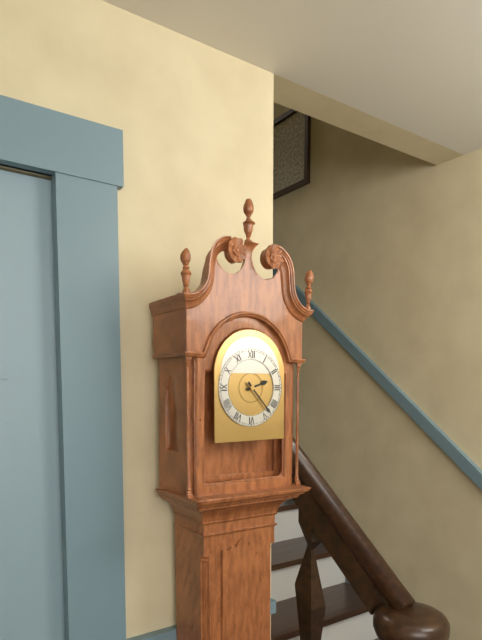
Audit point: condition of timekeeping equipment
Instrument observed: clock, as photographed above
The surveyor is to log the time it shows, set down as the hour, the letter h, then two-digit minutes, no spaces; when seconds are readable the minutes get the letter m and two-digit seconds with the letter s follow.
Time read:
2h23
